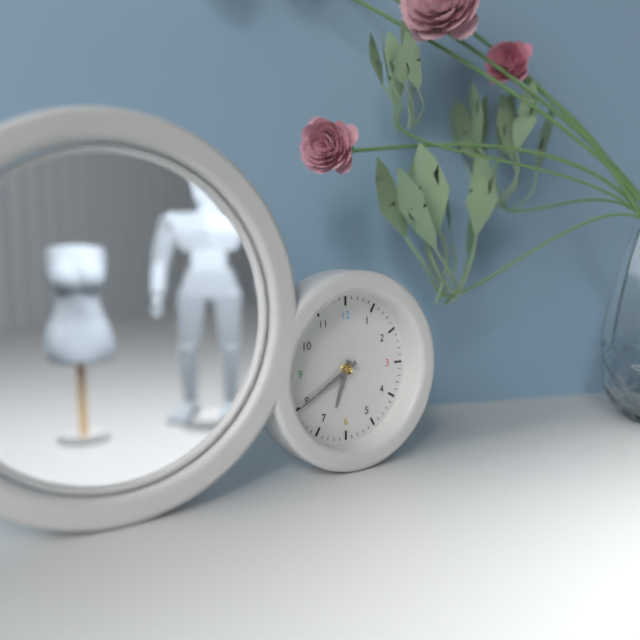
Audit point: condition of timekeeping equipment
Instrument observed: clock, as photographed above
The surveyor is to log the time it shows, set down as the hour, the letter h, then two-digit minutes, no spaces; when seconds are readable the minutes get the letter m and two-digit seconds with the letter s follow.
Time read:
6h40
